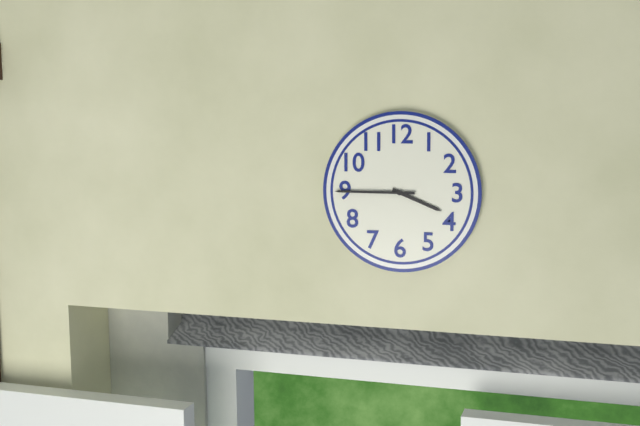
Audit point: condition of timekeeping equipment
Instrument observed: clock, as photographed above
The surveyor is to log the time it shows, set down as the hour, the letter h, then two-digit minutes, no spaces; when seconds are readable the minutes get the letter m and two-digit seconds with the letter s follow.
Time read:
3h45
